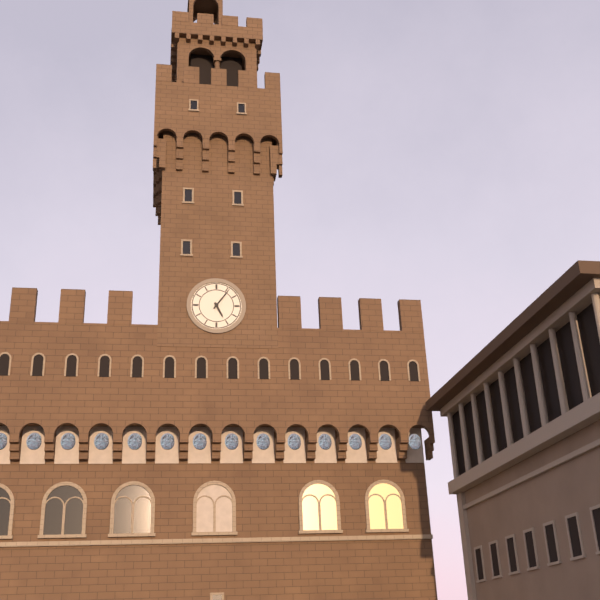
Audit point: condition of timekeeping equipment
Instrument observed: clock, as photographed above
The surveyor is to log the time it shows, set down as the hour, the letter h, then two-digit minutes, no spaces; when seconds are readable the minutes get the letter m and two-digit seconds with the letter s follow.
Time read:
5h06
